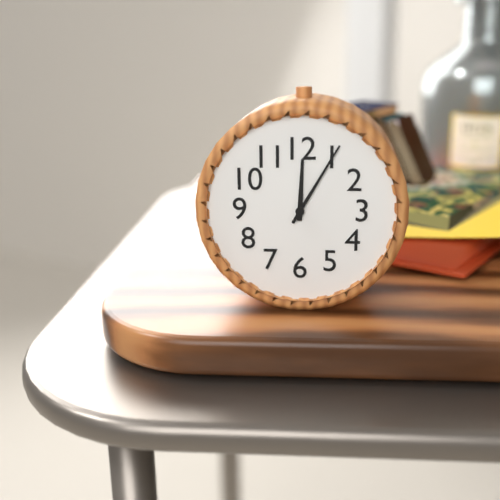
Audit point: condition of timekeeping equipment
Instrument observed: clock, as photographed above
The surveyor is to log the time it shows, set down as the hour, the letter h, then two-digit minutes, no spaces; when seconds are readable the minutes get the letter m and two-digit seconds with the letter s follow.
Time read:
12h05
